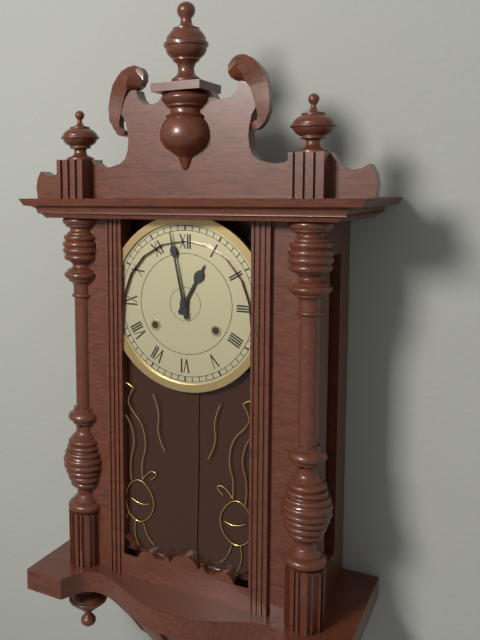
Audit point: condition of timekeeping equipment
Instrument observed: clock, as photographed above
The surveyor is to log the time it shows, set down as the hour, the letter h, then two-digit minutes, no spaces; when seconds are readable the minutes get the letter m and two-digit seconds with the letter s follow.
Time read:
12h58
